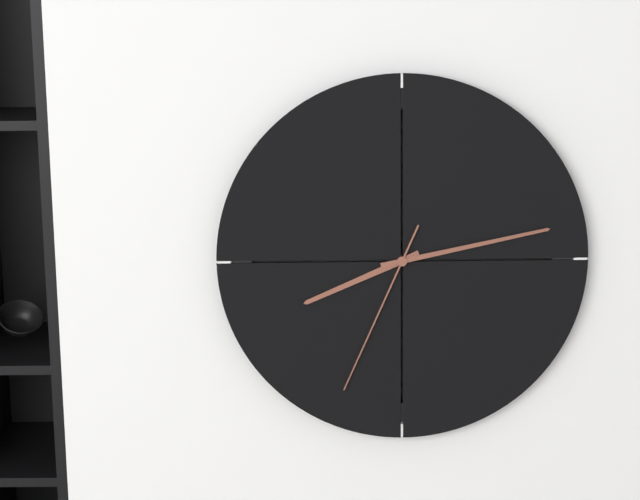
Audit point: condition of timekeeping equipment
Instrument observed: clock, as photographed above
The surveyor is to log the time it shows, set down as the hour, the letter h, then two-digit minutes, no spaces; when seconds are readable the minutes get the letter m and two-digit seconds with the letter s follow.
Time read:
8h13m34s
